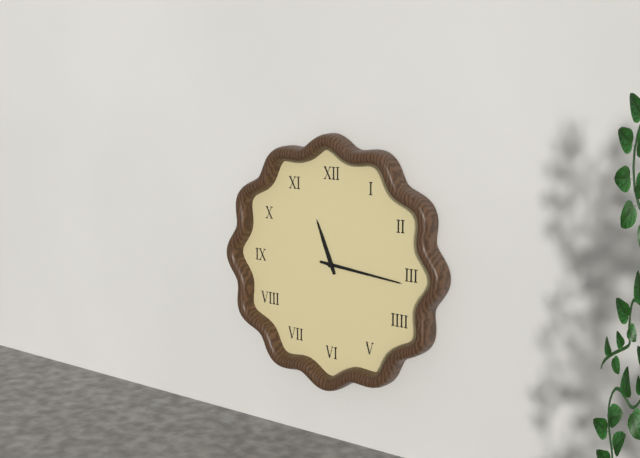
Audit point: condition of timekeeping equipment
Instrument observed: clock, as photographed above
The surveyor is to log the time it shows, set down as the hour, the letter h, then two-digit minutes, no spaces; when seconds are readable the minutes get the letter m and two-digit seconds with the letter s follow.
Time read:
11h16
